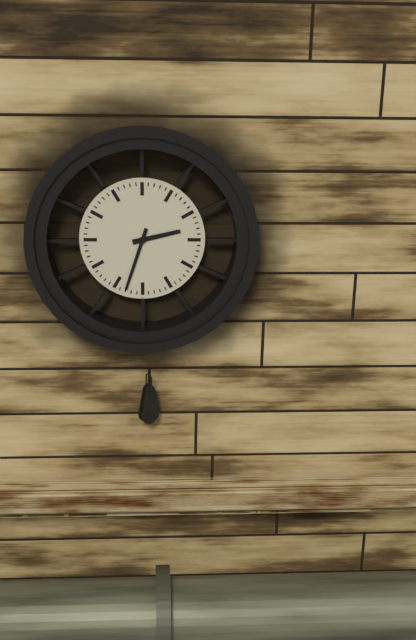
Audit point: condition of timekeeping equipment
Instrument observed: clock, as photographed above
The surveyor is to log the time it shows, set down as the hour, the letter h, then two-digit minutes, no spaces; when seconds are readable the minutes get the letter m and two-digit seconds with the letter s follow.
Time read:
2h33
